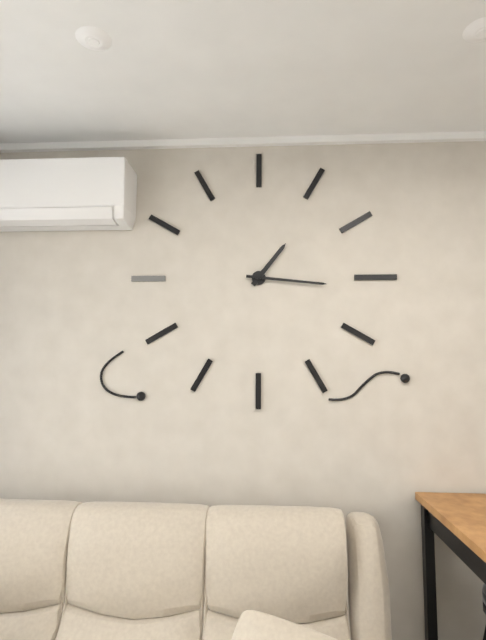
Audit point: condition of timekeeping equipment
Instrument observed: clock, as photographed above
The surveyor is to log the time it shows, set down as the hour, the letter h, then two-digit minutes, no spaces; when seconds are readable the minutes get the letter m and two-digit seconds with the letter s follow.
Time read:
1h16
